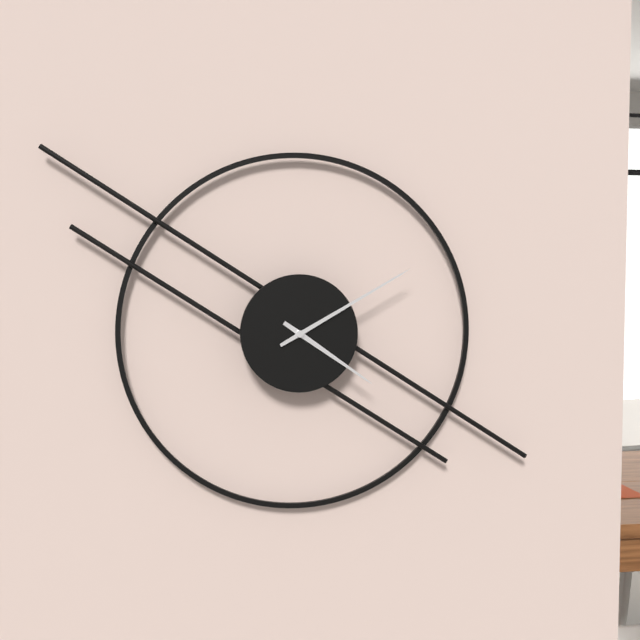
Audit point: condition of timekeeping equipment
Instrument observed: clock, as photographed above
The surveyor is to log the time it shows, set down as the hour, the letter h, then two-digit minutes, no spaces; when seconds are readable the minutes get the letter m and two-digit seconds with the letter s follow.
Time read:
4h10
